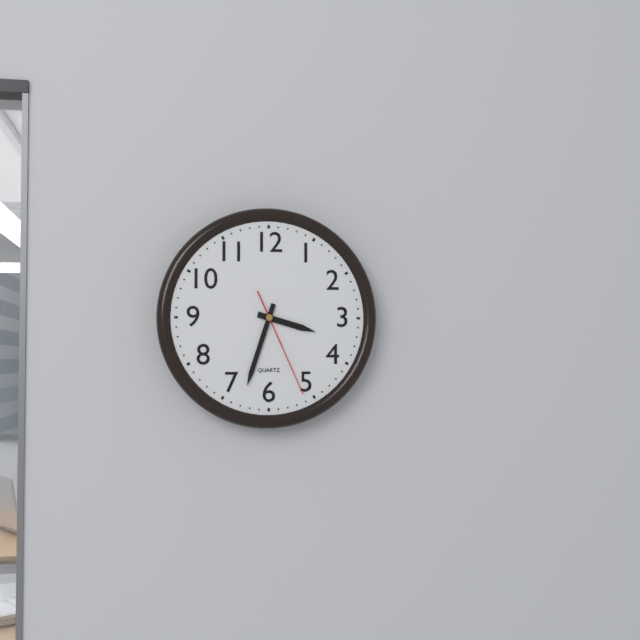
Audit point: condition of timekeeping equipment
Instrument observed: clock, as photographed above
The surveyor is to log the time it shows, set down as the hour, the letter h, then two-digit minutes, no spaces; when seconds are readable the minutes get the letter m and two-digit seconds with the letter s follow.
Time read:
3h33m26s
